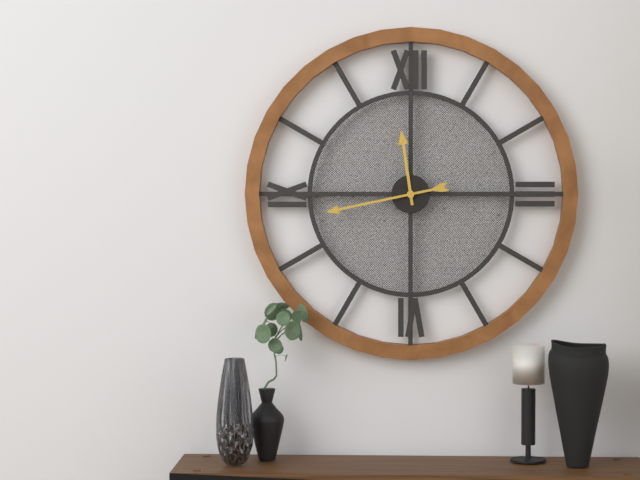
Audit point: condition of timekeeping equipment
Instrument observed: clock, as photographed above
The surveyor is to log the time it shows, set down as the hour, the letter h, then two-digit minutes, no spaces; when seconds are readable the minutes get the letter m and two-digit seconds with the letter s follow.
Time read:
11h43
